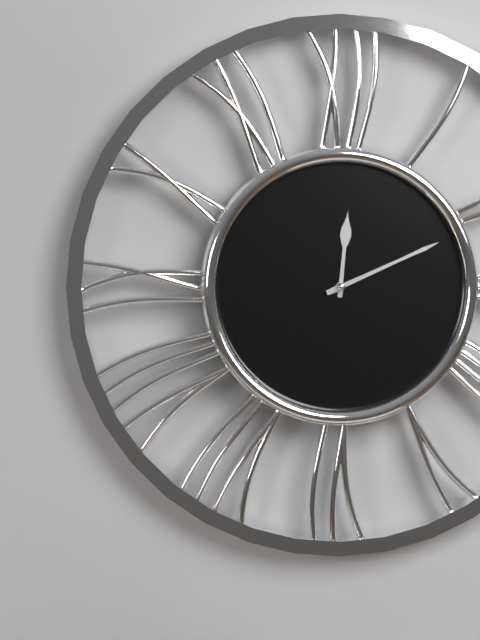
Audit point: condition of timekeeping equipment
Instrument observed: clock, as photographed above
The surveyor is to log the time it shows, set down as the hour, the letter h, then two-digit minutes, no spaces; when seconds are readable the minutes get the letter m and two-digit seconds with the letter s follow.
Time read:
12h11
